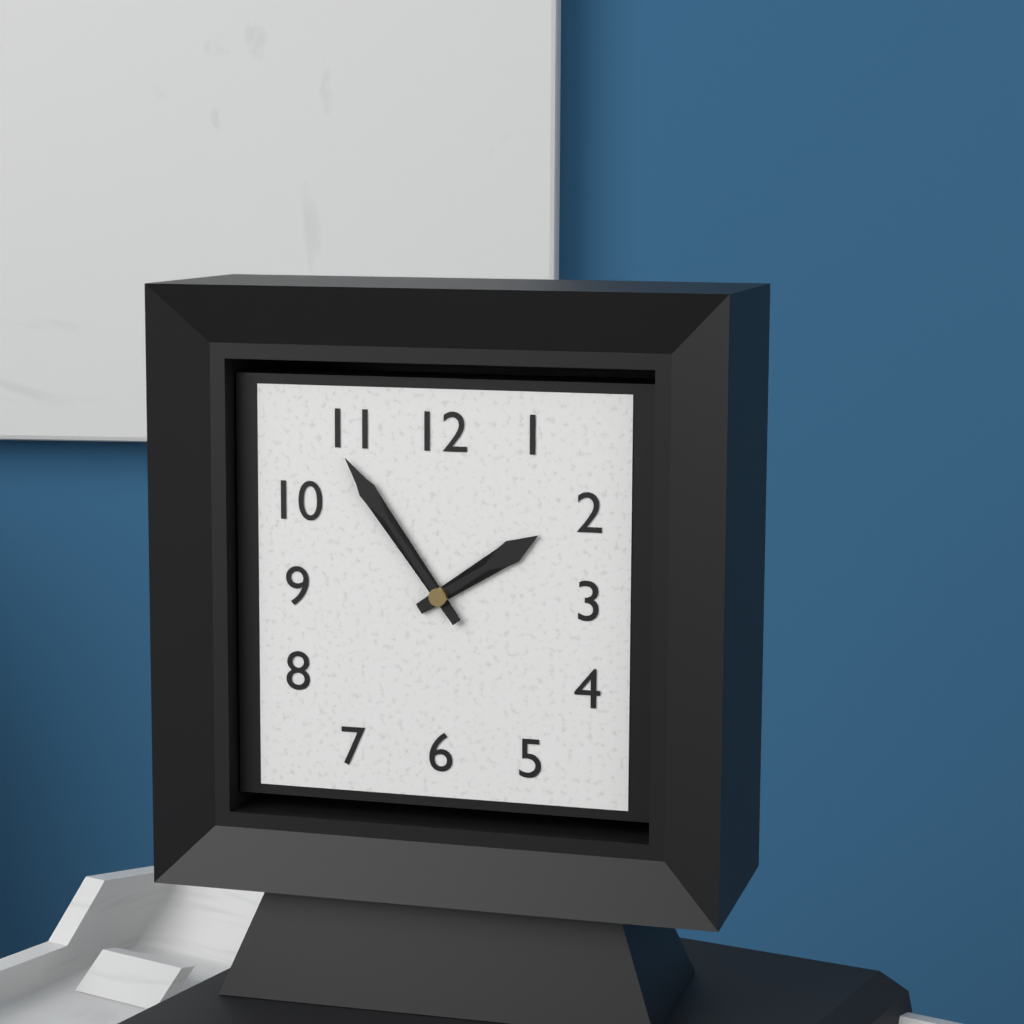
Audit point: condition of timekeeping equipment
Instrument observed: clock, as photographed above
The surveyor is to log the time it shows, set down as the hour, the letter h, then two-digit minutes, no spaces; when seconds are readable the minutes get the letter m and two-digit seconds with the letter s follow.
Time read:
1h54
